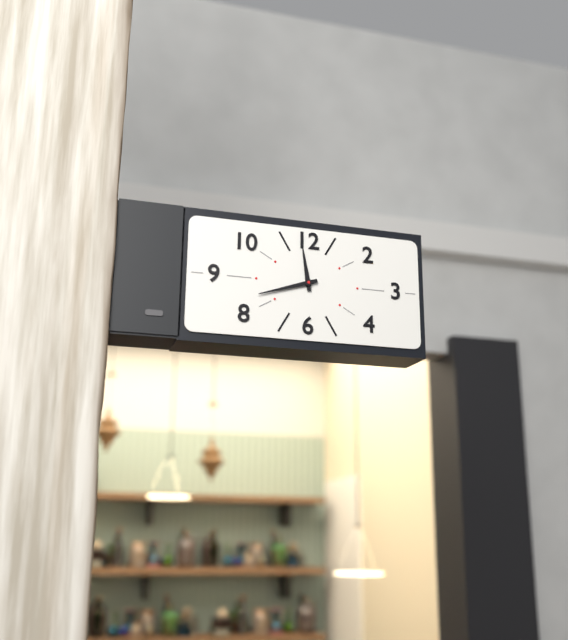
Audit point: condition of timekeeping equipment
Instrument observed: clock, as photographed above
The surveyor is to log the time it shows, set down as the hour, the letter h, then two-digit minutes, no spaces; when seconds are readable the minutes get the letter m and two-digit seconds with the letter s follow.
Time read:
11h42
